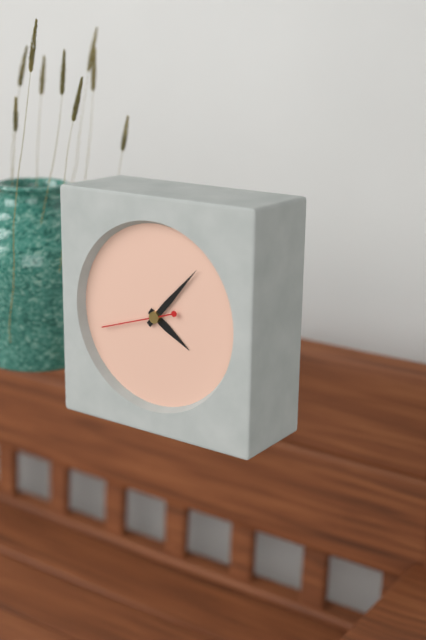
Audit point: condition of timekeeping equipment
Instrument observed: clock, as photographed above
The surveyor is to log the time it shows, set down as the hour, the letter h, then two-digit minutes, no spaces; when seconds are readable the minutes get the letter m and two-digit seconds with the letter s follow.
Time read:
4h07m42s
